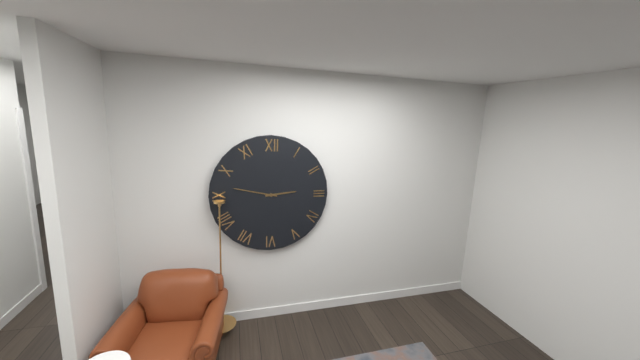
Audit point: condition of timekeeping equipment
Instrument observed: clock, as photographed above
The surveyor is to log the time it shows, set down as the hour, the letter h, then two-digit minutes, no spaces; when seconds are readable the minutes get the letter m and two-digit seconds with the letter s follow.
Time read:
2h47
